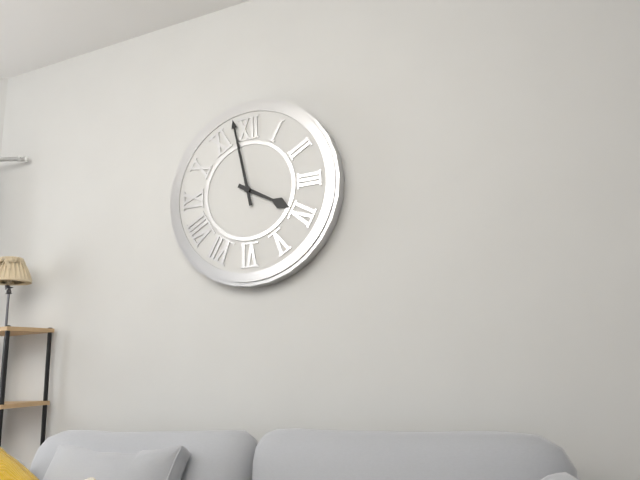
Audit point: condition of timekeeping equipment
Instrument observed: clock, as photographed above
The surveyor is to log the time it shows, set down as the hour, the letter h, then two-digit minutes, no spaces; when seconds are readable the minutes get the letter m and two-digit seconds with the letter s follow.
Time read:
3h58
